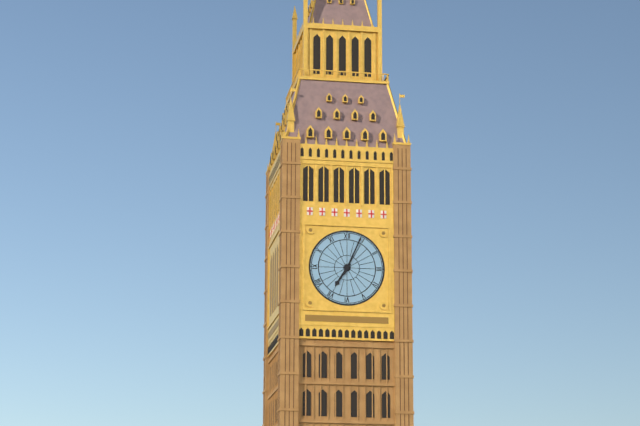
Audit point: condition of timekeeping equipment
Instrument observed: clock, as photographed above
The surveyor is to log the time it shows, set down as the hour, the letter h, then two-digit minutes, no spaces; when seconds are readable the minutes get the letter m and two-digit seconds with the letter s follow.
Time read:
7h04
